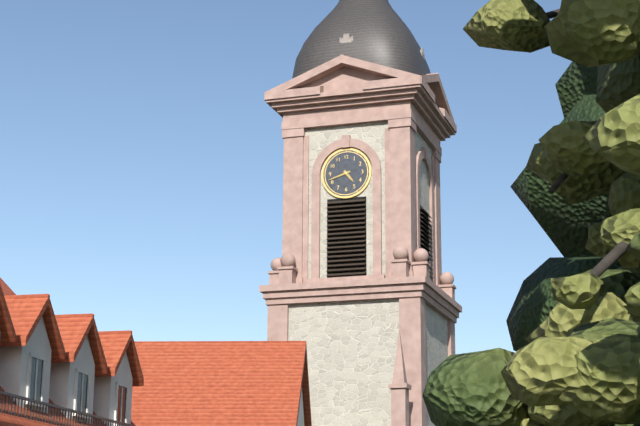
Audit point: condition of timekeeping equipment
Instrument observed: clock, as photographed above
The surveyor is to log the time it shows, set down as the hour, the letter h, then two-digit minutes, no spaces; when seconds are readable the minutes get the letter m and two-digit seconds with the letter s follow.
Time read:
4h42
